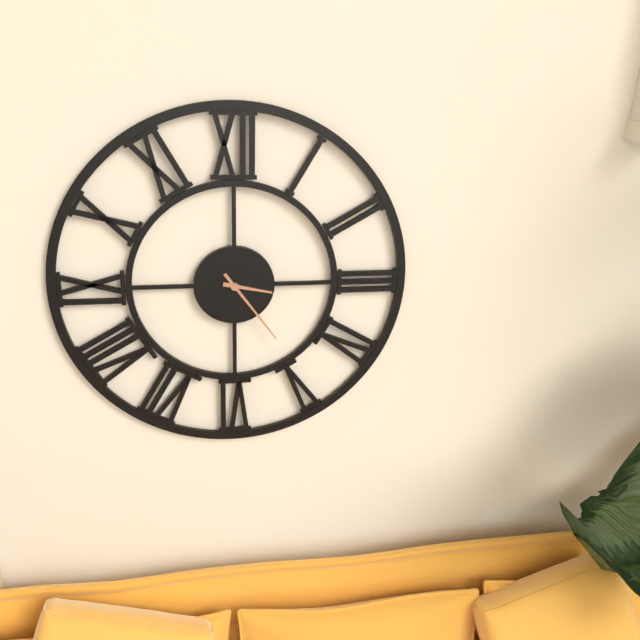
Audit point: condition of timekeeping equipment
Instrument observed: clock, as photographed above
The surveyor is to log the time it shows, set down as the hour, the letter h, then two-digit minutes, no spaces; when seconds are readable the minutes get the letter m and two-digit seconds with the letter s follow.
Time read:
3h24
